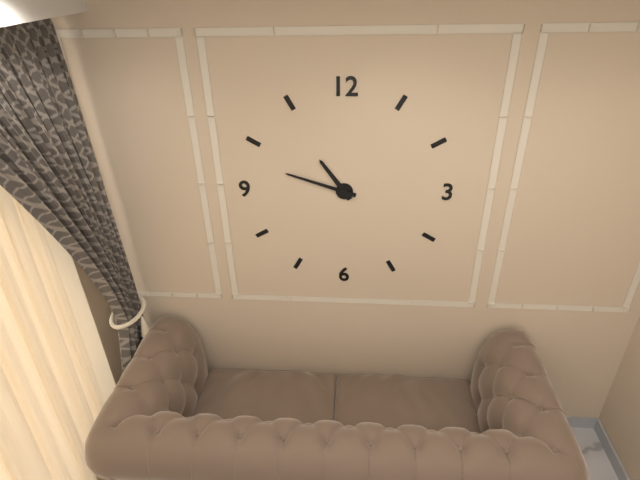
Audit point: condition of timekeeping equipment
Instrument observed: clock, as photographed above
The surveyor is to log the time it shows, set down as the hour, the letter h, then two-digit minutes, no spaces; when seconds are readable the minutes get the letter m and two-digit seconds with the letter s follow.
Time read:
10h48
